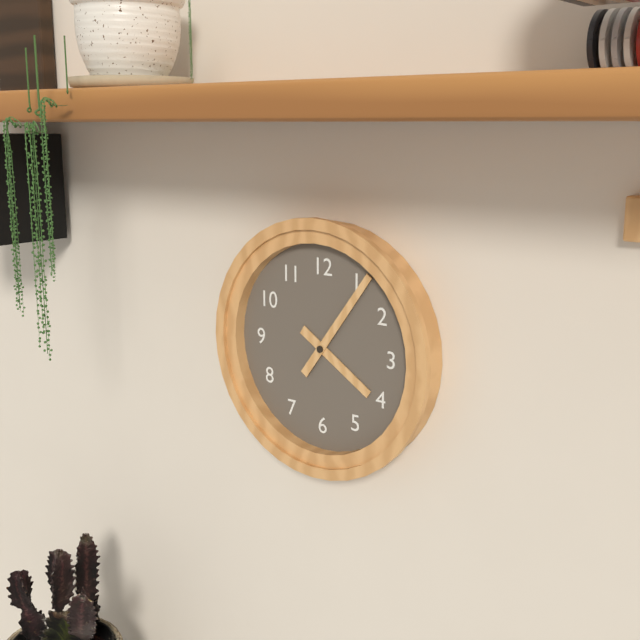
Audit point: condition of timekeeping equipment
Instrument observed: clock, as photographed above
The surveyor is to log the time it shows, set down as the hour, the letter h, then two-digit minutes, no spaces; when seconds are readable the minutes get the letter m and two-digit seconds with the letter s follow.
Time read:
4h06
